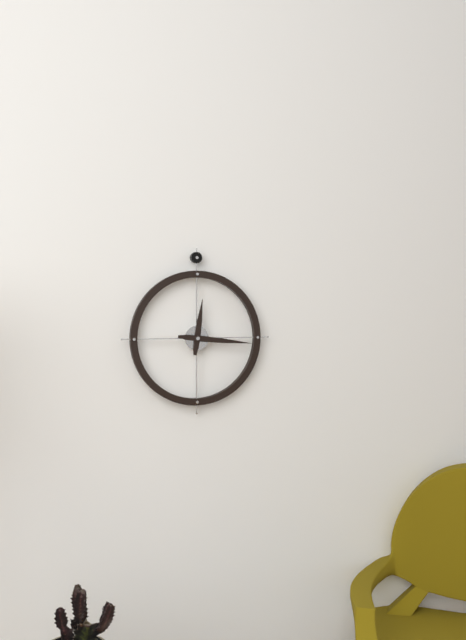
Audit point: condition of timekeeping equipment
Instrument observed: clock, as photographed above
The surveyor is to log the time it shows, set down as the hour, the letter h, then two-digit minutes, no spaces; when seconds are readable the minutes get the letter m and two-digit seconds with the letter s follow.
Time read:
12h16
